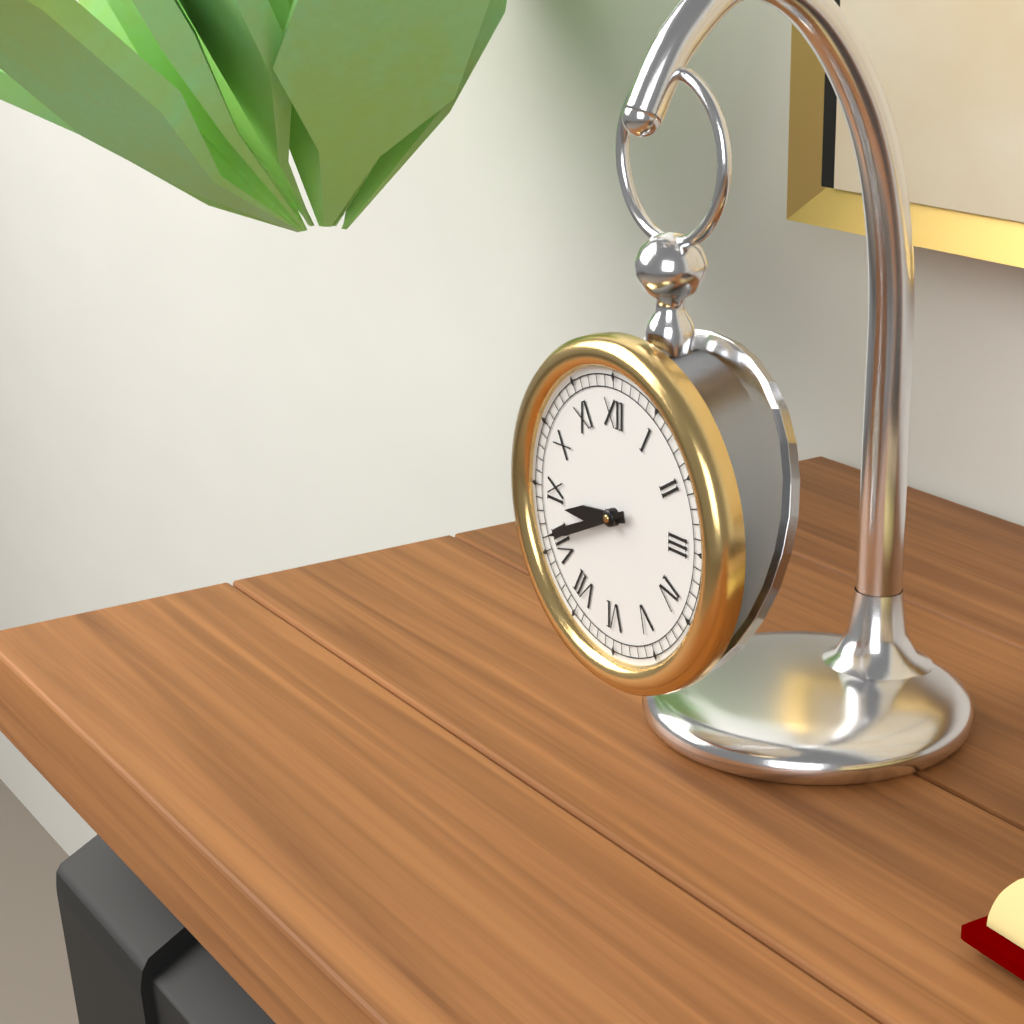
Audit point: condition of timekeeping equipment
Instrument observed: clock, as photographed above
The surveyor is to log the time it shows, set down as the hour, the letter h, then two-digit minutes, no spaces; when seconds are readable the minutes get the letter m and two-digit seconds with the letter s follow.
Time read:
8h41
